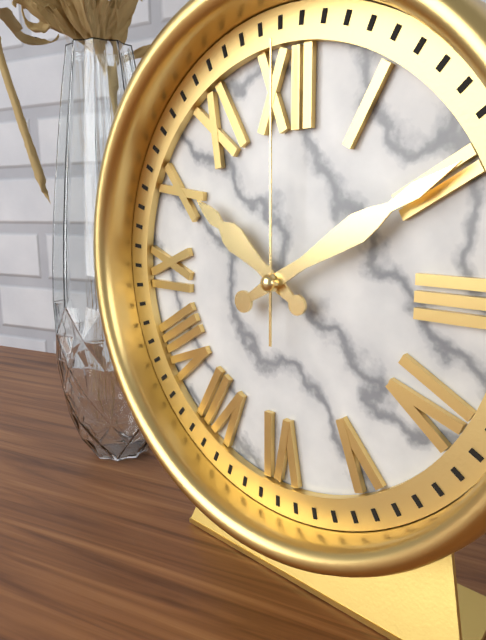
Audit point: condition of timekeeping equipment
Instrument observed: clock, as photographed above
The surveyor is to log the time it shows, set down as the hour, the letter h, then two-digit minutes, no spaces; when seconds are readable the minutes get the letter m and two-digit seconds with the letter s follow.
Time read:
10h10m00s
